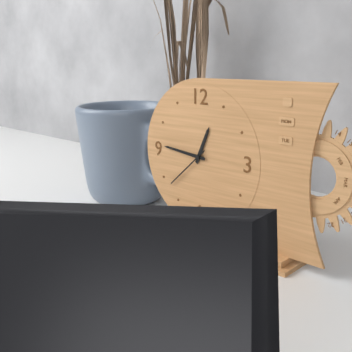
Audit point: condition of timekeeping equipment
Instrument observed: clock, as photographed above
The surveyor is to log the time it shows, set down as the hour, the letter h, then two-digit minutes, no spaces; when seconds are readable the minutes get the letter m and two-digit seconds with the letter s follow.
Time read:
12h46
